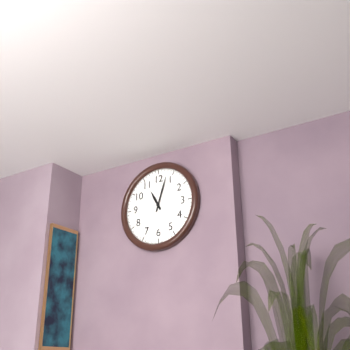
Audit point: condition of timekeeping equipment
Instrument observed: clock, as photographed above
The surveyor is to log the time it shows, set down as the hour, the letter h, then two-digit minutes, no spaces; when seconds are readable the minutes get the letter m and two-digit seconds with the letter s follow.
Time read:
11h03
